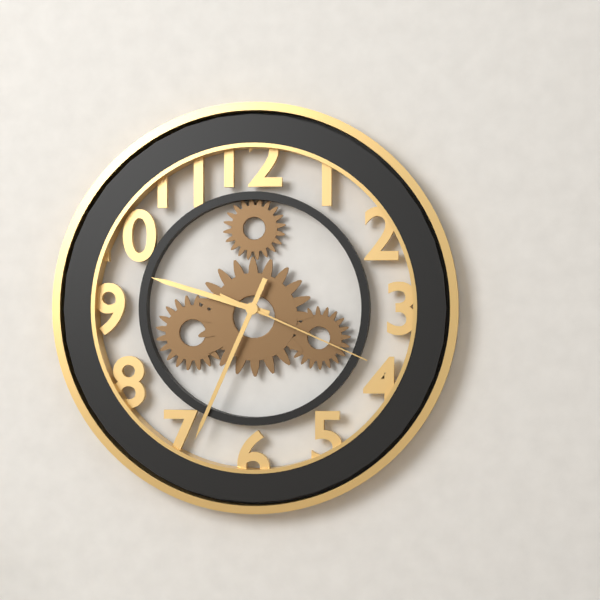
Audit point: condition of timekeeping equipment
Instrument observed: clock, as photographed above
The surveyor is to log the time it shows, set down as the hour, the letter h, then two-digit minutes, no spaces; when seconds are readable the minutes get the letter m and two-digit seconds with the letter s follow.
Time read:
9h34m19s
